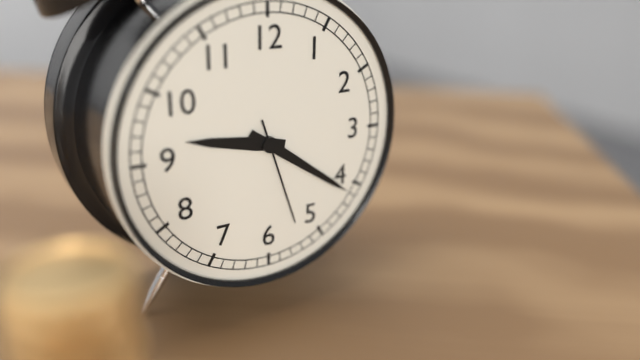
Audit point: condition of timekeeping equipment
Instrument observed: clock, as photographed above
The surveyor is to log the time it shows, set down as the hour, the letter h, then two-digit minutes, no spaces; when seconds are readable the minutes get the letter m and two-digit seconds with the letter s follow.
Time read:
9h21m27s
